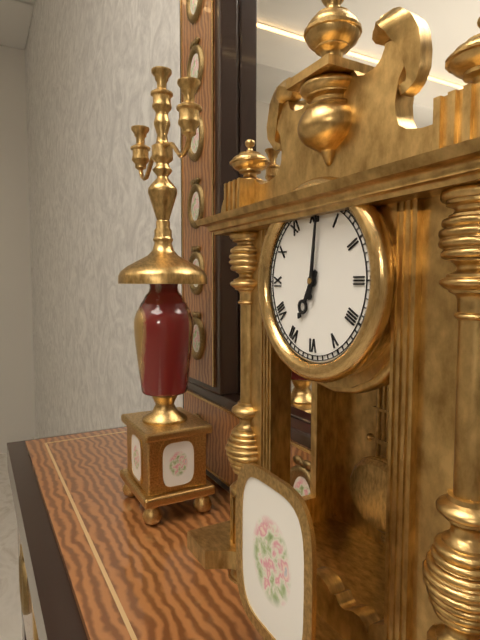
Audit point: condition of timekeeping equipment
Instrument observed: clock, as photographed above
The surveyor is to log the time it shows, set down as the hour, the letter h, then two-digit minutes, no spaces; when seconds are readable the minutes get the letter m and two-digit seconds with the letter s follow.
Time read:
7h01
